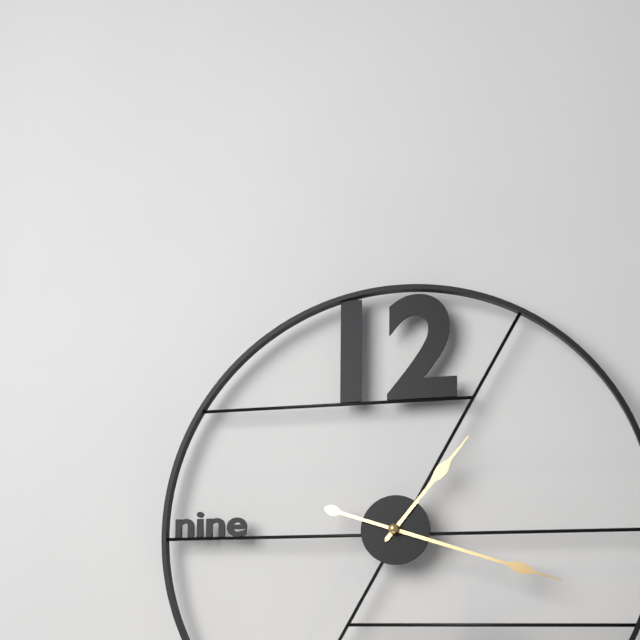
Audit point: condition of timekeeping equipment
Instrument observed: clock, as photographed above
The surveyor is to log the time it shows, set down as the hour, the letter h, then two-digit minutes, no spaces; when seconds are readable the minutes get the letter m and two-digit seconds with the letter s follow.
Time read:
1h18
